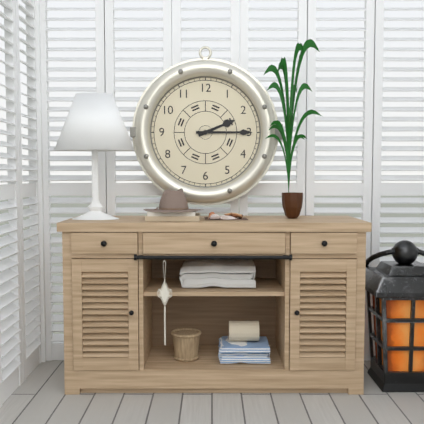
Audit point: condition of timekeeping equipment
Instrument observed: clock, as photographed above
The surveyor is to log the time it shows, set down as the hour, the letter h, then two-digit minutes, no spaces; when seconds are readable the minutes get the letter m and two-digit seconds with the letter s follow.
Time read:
2h15
